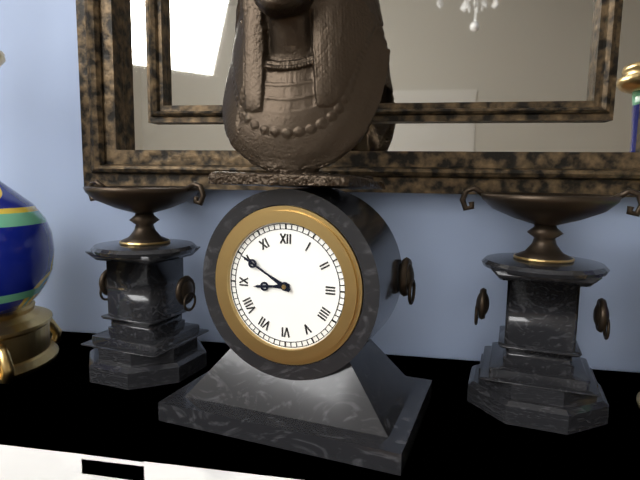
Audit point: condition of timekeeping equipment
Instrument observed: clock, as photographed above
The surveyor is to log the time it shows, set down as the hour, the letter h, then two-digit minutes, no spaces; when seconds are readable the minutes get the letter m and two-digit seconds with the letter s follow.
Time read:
8h50
